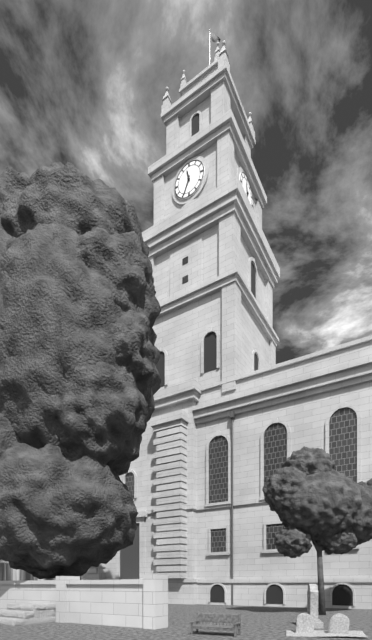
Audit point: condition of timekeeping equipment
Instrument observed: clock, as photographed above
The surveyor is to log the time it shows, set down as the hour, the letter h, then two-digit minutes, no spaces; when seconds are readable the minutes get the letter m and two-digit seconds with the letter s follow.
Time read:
11h34
